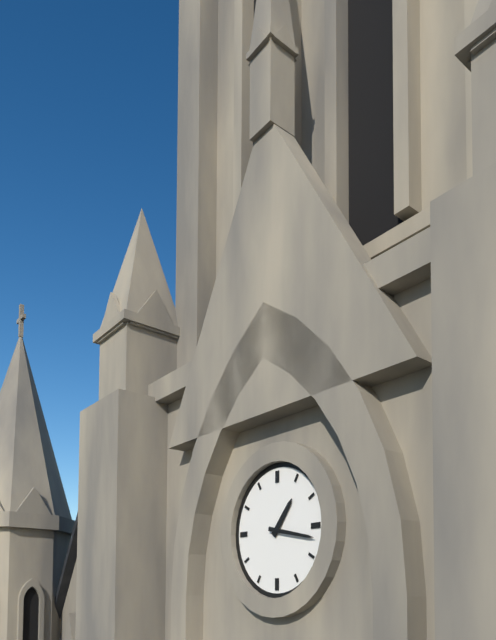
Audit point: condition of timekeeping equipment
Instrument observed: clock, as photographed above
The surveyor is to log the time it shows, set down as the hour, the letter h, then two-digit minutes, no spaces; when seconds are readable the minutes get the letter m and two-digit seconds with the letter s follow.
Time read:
1h17
